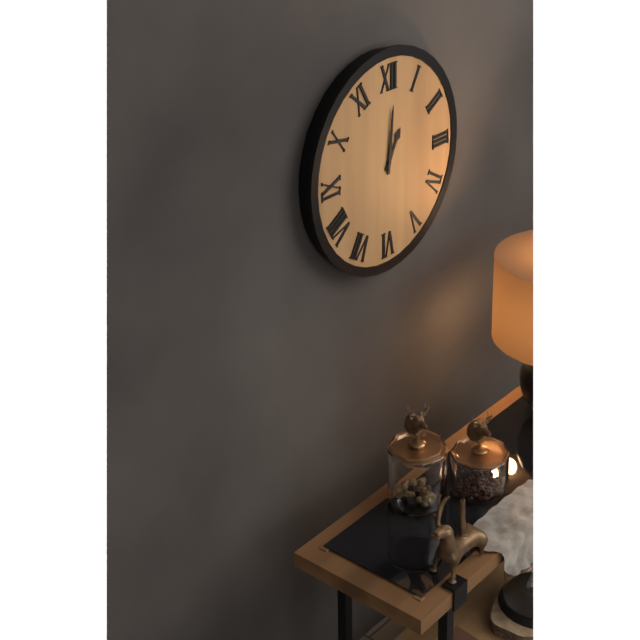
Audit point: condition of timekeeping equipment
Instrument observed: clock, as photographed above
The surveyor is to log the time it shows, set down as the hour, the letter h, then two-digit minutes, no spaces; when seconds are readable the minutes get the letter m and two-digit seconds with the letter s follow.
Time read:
1h01
